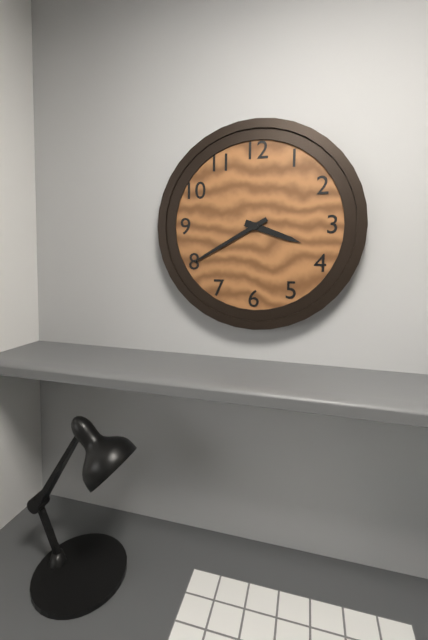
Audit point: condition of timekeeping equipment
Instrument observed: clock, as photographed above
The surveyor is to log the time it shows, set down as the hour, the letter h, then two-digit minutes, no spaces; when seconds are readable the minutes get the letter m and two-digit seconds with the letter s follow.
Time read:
3h40
